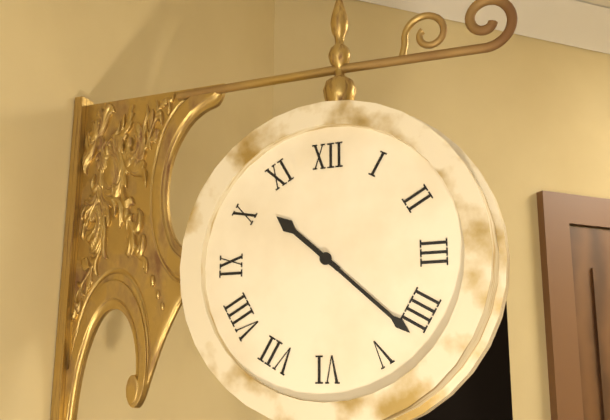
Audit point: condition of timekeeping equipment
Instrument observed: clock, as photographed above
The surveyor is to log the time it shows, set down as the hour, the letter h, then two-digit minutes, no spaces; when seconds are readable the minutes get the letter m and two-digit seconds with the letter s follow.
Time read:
10h22
